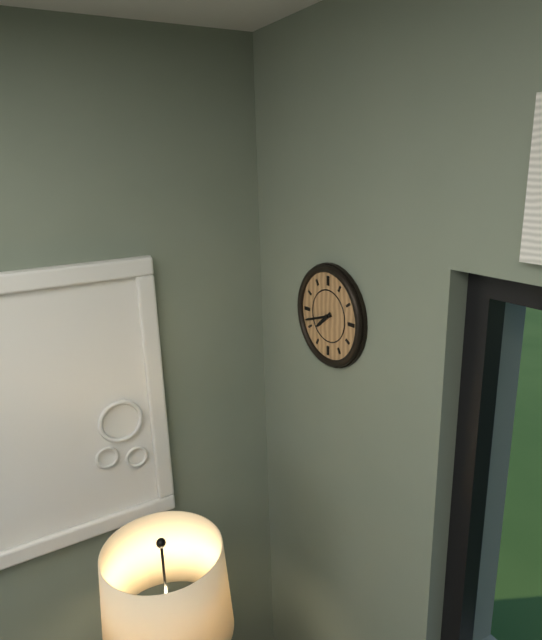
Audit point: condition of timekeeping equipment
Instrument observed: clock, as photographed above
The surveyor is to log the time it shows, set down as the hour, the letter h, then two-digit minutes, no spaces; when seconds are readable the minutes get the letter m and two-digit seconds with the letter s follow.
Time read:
7h42
